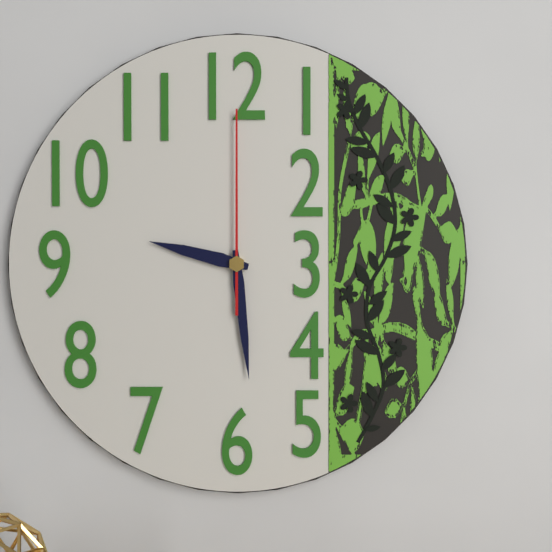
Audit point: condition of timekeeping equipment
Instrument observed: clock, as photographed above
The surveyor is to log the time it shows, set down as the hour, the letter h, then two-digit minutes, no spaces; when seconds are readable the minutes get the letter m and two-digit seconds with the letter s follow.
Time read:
9h29m00s
